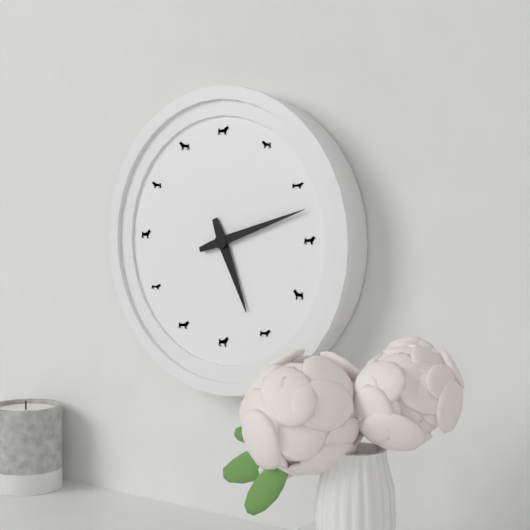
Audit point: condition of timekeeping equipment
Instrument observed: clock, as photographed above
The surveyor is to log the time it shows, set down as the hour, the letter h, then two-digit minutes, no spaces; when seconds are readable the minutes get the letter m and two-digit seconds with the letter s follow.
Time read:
5h12
